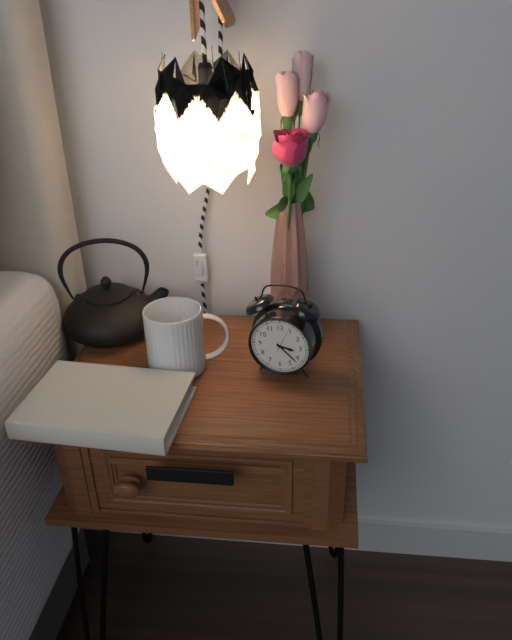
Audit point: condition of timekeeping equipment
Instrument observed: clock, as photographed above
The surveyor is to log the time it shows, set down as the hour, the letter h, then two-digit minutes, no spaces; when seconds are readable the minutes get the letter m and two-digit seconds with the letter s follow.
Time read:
3h22
